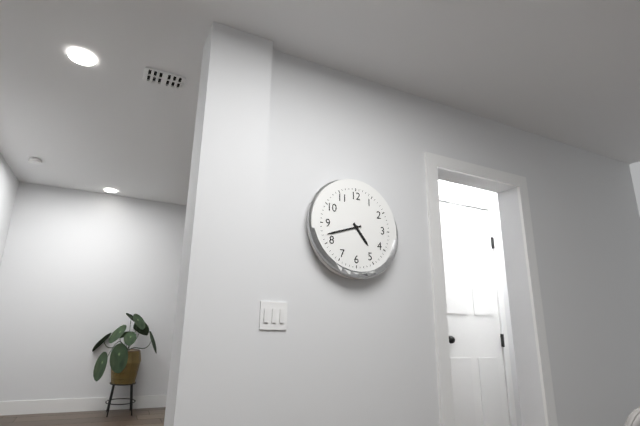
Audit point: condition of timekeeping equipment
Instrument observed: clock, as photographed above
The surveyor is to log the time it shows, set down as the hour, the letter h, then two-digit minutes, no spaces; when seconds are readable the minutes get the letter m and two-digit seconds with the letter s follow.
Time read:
4h42
